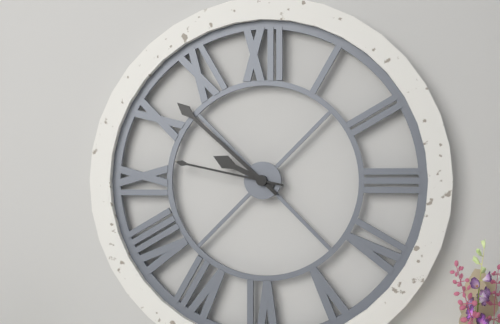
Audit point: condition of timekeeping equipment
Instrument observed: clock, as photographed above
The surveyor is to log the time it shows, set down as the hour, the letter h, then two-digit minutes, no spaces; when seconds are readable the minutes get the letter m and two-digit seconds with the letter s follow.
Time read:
9h52m47s
